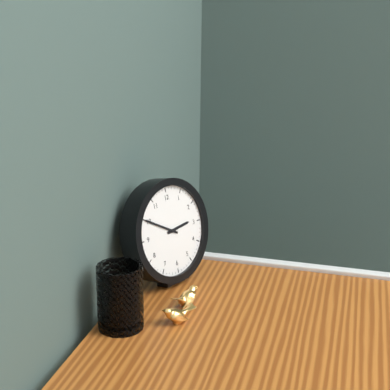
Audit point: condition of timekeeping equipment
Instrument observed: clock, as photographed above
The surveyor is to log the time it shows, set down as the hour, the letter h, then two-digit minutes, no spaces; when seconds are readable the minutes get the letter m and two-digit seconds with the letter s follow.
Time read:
2h50
